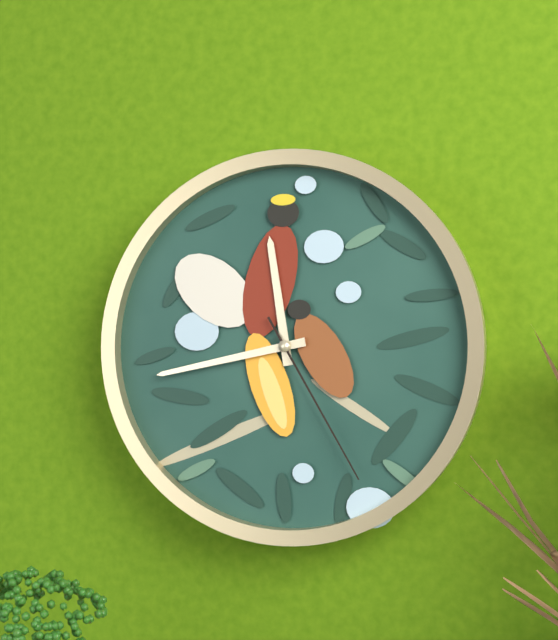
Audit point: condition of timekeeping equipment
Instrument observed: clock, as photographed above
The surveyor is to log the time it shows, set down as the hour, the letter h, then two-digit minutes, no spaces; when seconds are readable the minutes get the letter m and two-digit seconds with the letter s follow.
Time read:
11h43m25s
